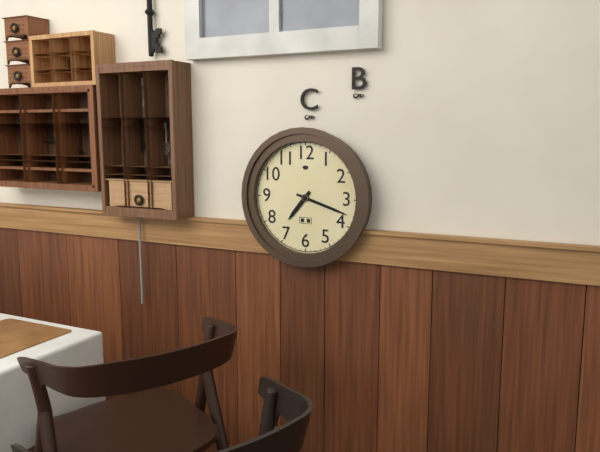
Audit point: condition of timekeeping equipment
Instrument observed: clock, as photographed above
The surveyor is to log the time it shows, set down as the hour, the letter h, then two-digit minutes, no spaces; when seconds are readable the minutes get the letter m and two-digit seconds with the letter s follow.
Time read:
7h18
